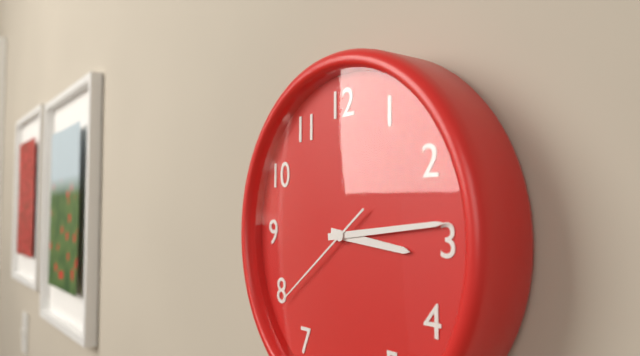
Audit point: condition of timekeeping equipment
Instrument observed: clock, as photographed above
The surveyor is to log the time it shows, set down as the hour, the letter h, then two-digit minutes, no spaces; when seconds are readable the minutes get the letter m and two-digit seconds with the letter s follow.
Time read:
3h14m39s
